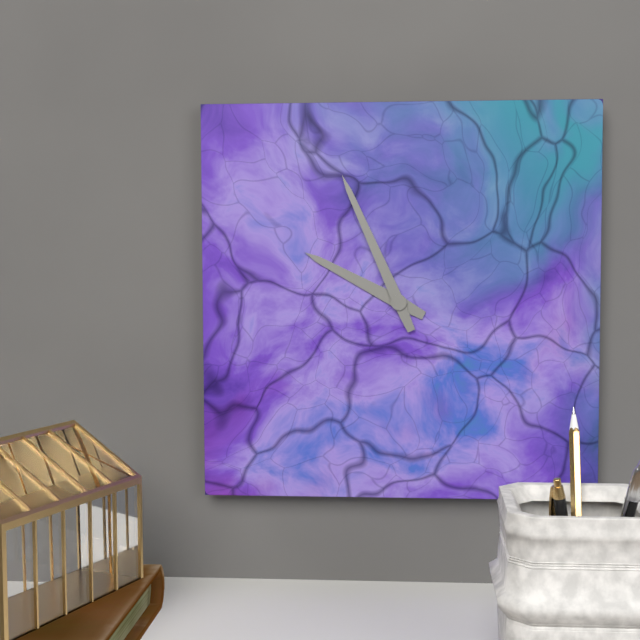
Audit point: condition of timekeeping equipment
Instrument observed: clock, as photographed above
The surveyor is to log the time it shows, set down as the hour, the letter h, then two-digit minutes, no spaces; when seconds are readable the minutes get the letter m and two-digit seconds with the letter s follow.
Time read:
9h56
